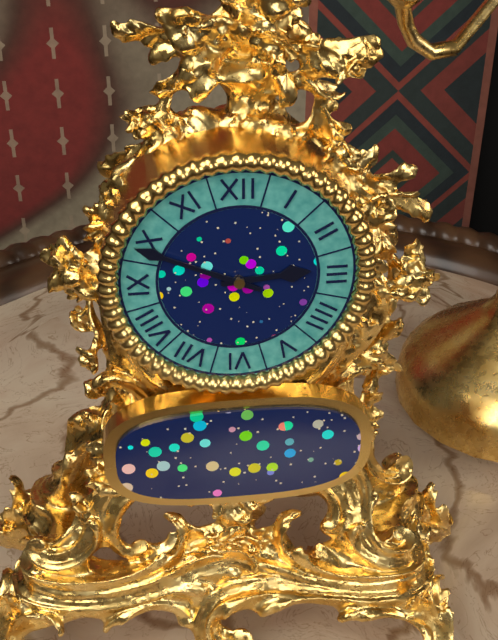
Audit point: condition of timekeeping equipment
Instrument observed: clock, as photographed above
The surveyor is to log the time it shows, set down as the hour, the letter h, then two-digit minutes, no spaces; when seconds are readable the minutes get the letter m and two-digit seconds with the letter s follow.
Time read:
2h49
